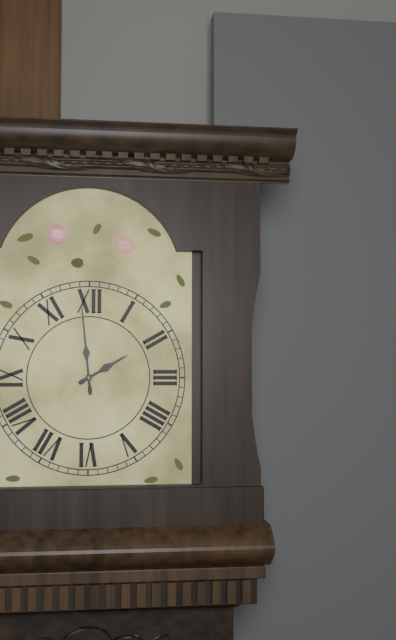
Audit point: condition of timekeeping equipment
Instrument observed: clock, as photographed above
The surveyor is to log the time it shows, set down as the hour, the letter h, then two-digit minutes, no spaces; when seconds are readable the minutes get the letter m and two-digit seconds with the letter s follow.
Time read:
1h59
